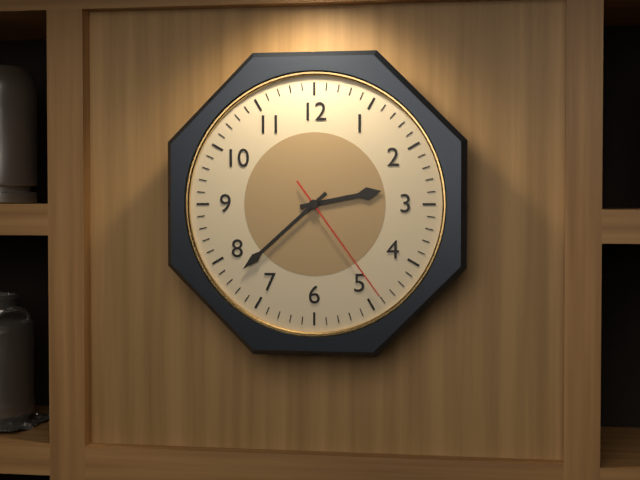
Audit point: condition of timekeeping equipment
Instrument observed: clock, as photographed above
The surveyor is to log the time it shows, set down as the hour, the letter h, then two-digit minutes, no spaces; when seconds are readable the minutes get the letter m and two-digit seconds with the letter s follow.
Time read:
2h38m24s
